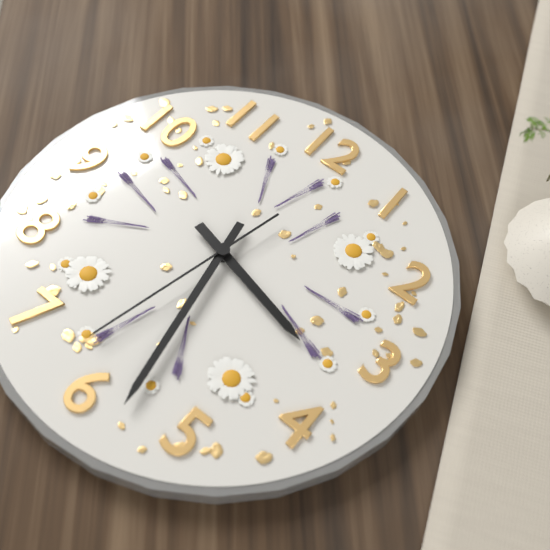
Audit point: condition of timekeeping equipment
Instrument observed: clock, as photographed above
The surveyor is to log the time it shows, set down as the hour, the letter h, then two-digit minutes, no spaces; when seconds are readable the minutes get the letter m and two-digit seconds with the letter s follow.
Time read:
3h28m32s
